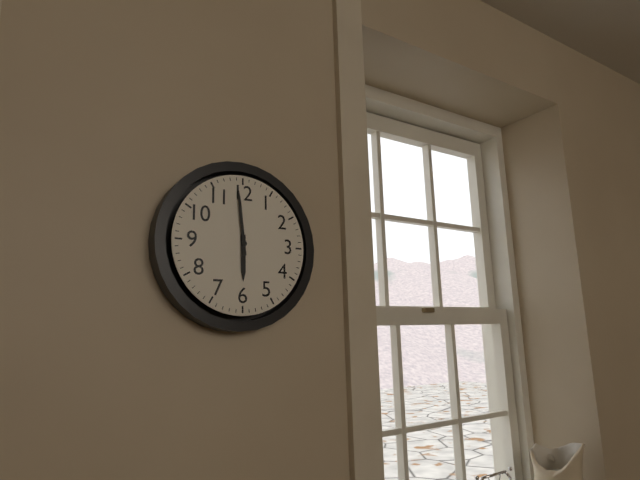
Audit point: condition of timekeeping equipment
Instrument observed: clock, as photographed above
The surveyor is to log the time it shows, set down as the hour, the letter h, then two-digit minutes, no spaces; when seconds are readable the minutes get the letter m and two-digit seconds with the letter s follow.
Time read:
5h59
